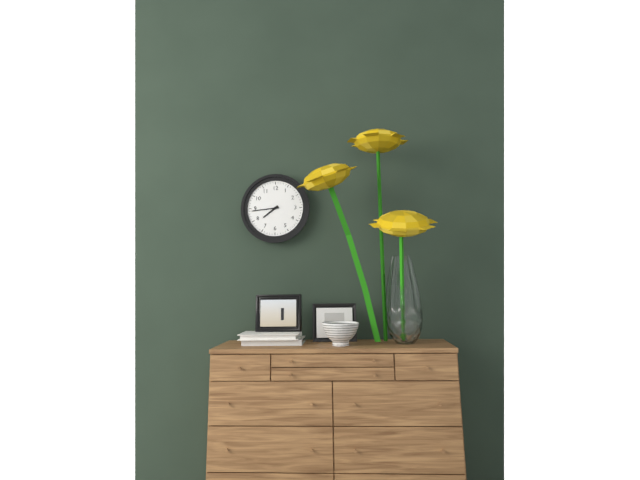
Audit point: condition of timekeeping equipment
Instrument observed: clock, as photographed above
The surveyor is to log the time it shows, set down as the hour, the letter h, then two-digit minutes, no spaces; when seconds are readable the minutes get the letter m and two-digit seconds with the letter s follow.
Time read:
7h44
